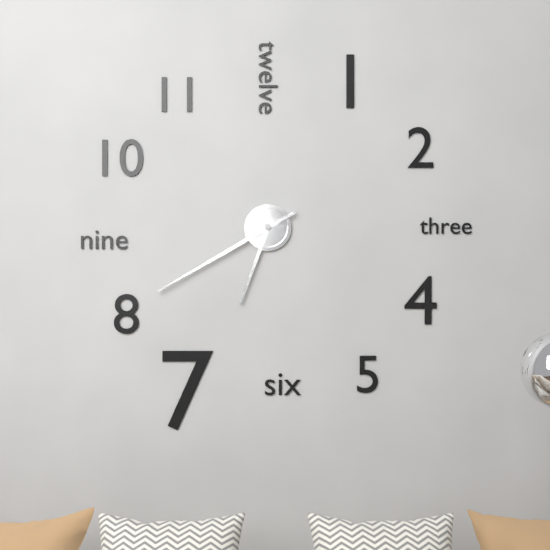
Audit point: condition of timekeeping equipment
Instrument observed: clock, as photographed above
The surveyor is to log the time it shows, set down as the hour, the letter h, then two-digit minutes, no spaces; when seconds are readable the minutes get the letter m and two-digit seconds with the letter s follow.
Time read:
6h40
